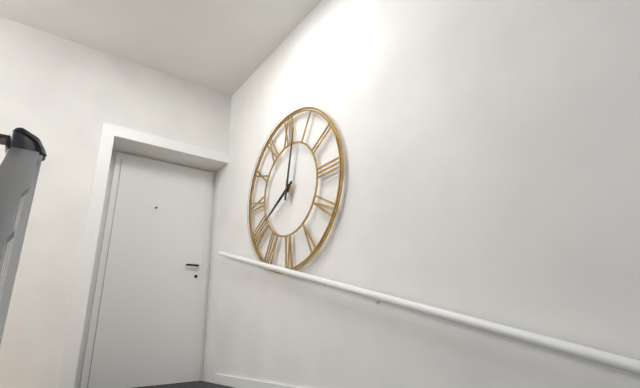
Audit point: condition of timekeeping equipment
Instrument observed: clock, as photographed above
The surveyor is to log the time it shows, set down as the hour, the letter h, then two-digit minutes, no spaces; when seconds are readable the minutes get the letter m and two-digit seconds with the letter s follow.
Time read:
8h02
